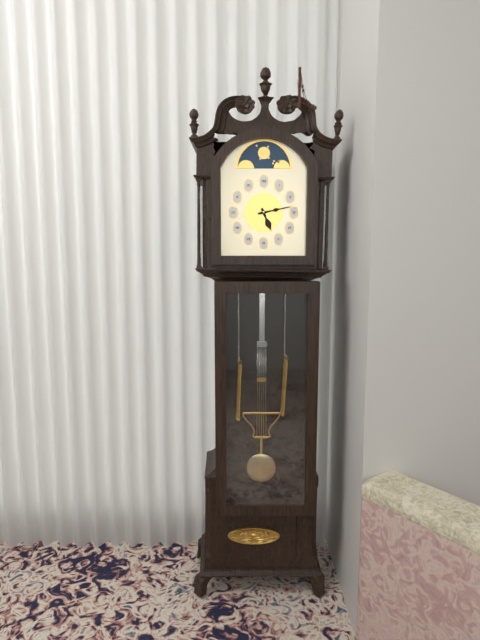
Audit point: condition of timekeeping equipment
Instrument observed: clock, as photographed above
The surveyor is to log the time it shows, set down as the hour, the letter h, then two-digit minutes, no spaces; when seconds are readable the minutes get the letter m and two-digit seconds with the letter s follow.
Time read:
5h13
